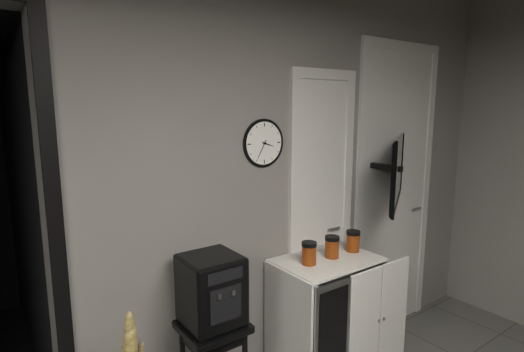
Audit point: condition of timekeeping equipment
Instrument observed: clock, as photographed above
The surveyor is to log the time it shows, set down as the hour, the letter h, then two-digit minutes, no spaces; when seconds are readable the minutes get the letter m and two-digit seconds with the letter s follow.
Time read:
3h35
